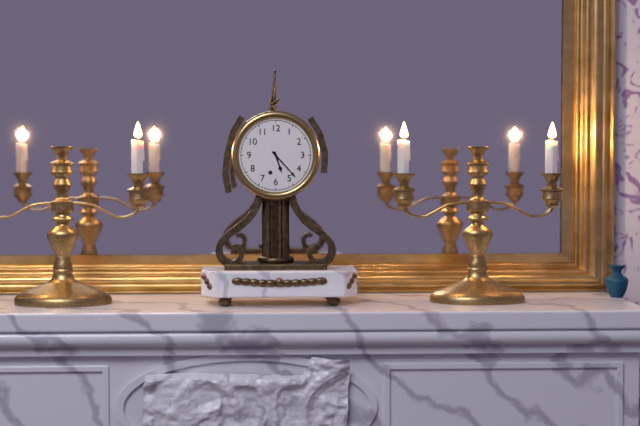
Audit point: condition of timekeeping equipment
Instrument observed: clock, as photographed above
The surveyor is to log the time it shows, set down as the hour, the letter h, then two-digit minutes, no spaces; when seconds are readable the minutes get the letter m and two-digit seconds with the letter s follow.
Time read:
5h23
